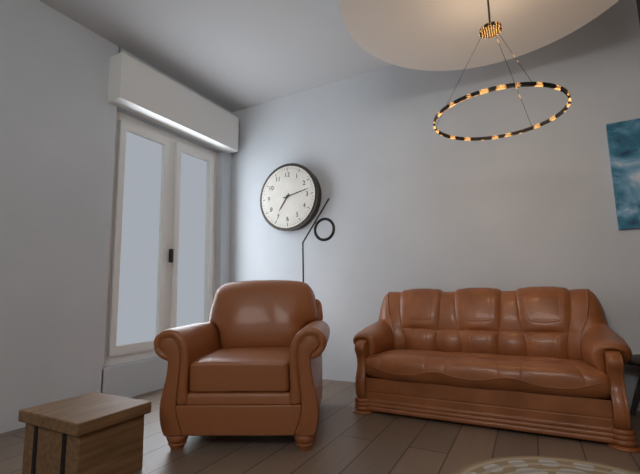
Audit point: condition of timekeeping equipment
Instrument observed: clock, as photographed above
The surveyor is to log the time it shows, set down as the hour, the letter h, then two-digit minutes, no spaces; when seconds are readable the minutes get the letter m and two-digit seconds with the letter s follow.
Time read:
7h13
